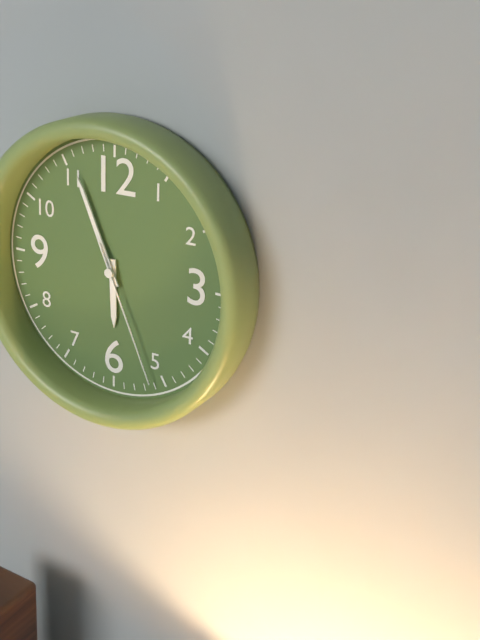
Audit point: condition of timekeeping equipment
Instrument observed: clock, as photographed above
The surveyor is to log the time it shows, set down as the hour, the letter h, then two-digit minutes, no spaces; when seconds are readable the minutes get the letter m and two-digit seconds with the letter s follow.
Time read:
5h56m26s
